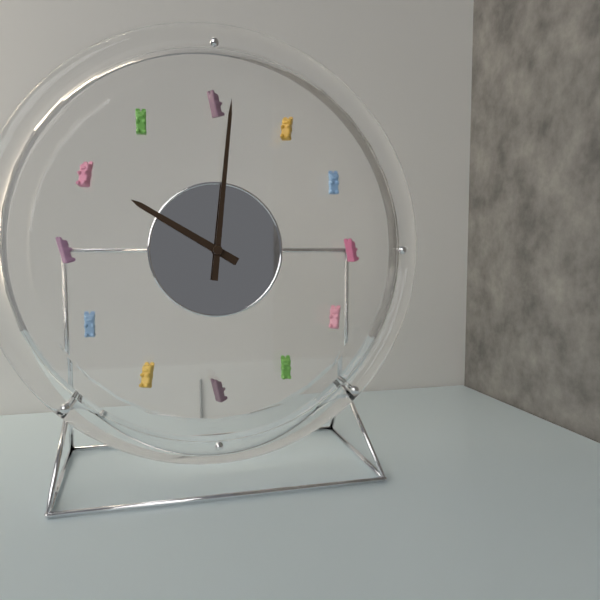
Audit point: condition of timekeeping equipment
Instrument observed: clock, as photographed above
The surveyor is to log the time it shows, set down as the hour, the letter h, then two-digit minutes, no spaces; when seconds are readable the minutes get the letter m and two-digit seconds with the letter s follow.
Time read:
10h01
